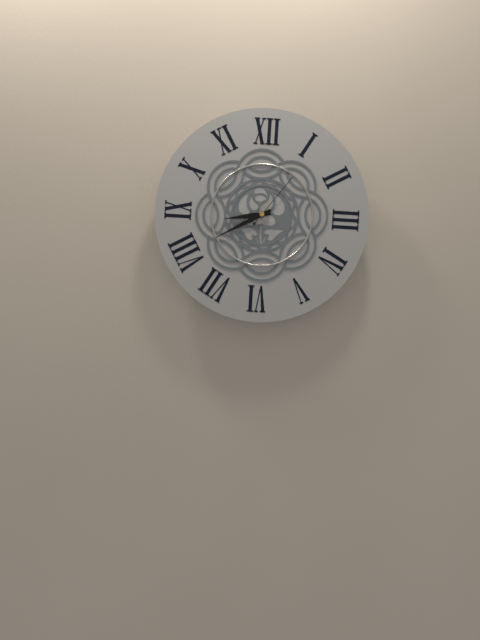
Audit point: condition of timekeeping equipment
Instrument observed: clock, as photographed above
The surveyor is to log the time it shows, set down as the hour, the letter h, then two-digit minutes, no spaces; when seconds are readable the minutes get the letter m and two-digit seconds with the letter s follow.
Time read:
8h40m06s
